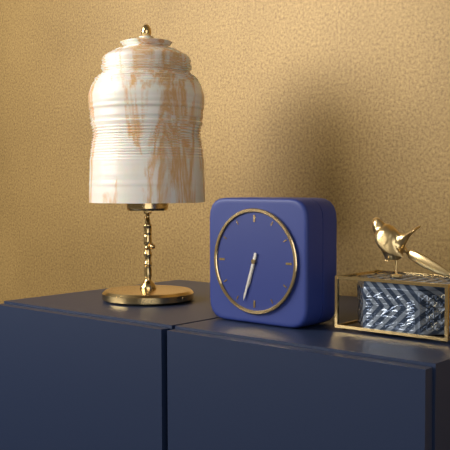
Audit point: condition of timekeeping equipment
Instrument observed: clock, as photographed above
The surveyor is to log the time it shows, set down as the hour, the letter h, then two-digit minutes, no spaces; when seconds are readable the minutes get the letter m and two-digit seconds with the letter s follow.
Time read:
6h33
